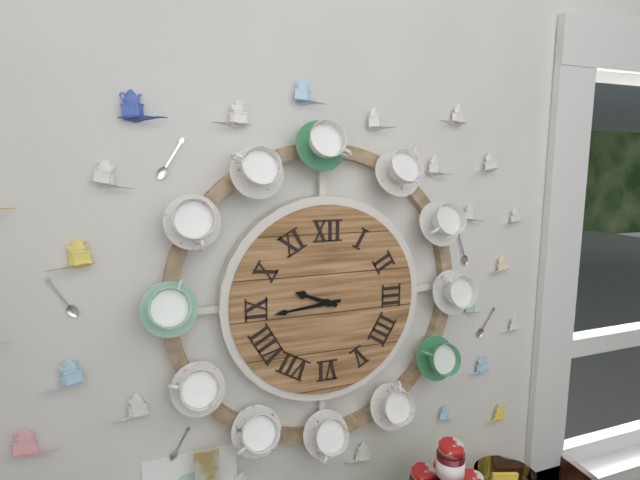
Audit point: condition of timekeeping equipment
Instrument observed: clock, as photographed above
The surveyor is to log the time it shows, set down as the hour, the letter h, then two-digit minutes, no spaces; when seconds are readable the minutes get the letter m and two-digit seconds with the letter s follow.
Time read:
9h44
